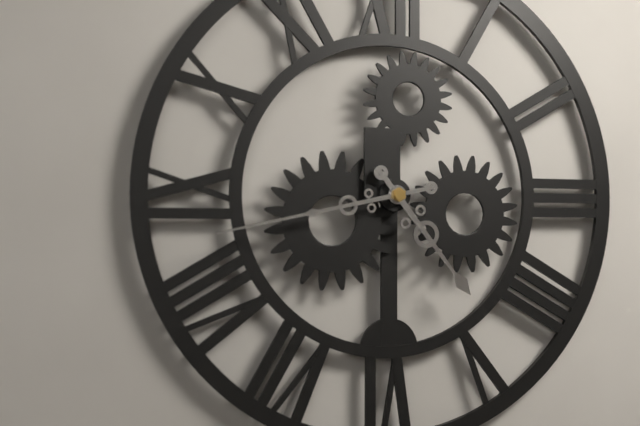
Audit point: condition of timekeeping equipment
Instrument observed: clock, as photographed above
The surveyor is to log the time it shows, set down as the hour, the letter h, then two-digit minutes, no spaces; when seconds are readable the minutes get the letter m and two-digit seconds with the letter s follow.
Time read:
4h43
